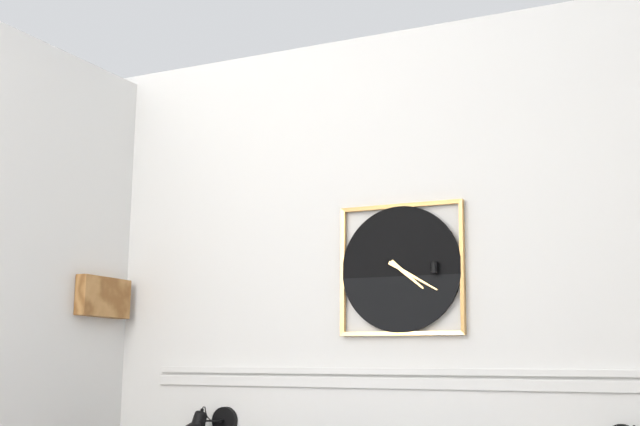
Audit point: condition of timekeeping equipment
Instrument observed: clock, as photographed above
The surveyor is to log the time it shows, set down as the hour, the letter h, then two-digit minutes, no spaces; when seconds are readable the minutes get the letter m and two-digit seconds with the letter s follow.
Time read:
4h20
